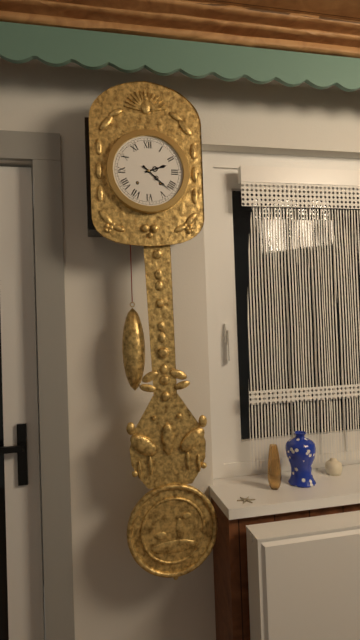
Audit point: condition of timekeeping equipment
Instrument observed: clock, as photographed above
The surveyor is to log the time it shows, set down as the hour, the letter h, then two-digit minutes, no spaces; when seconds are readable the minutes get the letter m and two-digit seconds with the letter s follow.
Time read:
2h22
